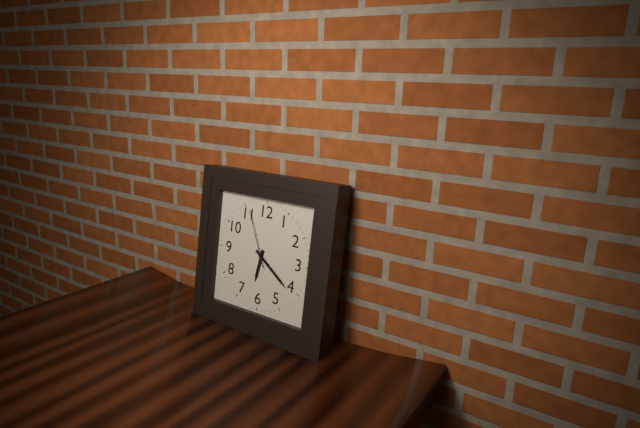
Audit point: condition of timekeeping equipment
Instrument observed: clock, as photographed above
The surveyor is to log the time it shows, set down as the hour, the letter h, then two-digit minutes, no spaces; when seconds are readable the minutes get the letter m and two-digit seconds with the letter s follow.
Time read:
6h21m56s
